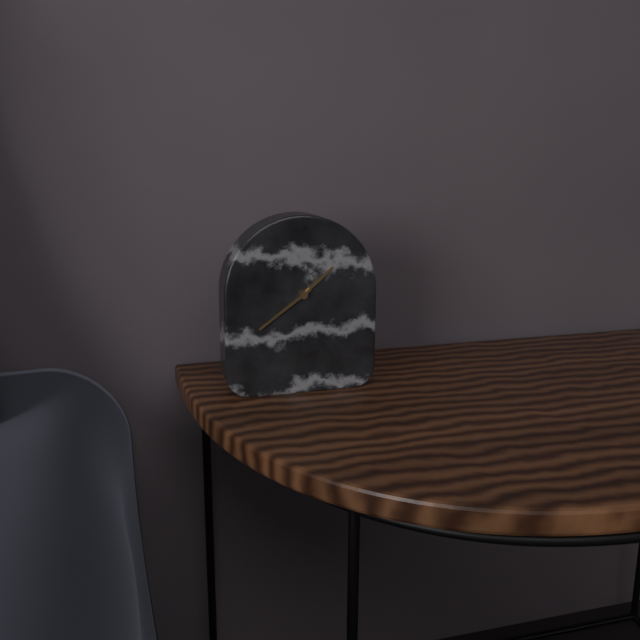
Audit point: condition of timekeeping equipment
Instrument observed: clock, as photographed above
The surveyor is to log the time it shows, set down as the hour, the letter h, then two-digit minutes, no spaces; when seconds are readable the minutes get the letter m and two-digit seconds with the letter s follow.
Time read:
1h39
